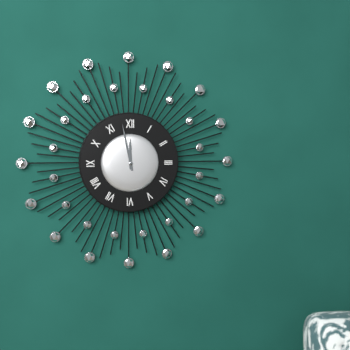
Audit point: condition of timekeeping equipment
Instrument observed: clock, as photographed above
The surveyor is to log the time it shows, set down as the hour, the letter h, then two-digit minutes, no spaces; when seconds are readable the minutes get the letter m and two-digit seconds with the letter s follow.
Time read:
11h58
